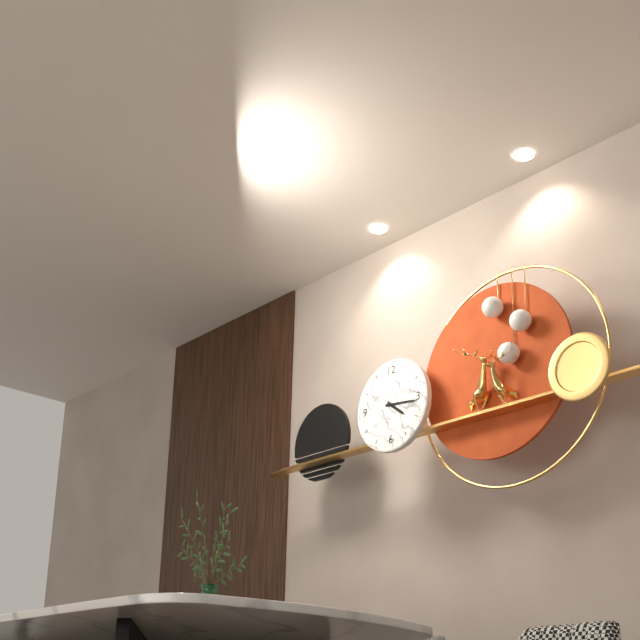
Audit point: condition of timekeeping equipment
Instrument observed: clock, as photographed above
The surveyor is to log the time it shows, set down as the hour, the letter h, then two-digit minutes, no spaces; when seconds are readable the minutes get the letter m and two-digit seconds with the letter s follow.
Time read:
4h16
